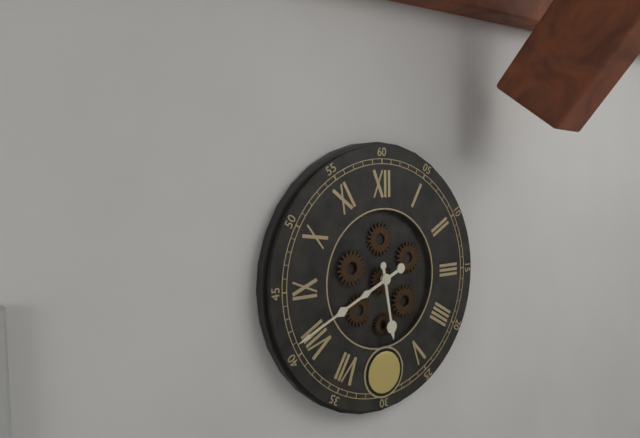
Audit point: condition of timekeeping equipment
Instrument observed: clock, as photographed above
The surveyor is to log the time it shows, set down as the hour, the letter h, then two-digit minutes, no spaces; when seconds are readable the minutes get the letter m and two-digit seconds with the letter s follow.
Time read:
5h41
